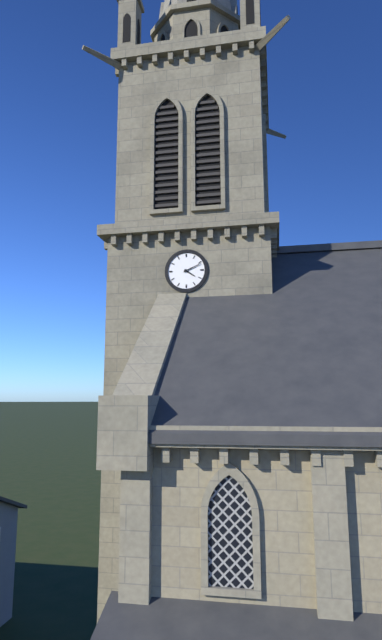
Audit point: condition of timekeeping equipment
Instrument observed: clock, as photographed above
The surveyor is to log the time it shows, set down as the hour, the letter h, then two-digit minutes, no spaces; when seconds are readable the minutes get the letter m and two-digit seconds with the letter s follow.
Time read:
4h11
